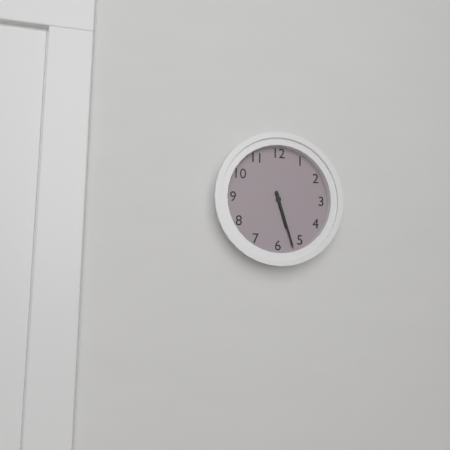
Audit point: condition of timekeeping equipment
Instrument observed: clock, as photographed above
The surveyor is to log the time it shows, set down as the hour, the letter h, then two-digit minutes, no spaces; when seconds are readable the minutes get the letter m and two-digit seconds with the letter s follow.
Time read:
5h27
